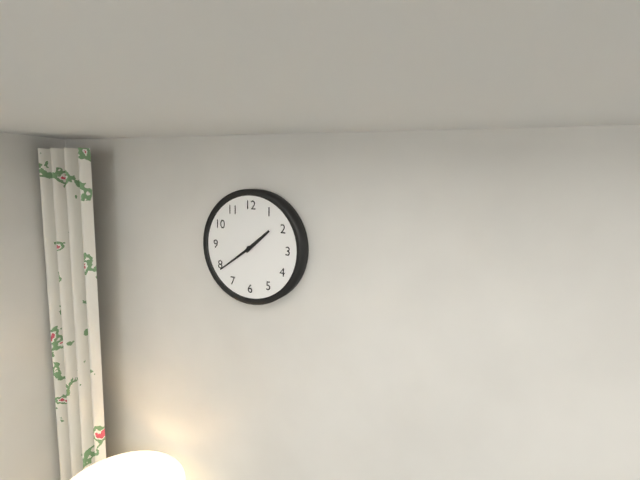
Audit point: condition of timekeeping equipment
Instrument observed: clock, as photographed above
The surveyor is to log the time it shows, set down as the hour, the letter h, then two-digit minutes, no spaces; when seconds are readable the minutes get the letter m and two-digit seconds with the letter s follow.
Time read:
1h39
